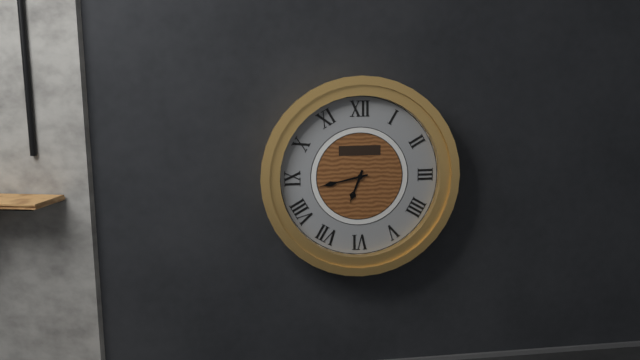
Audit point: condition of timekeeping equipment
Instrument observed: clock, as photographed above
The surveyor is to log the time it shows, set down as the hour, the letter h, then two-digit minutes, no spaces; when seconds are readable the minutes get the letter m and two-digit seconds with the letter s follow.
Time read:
6h43
